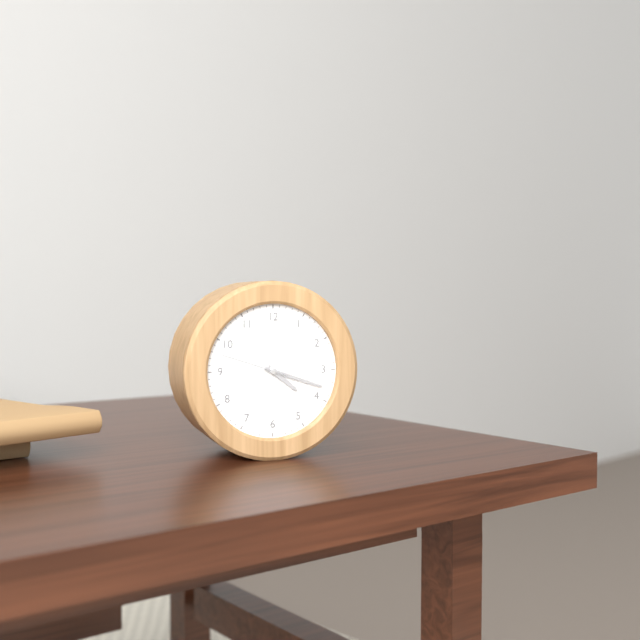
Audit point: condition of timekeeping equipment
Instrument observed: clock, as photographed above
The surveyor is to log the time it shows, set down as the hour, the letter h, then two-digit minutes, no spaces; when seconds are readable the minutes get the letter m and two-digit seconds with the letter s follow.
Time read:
4h18m48s
